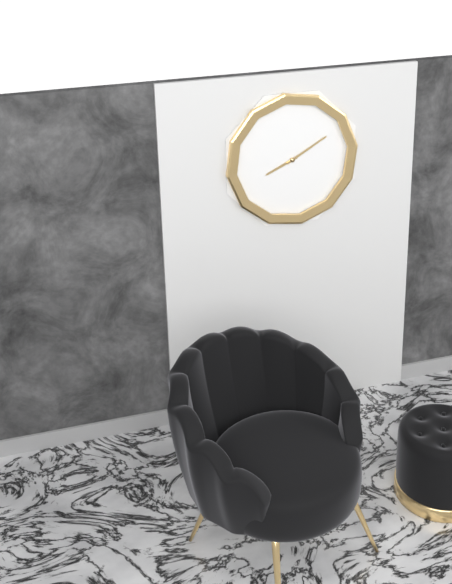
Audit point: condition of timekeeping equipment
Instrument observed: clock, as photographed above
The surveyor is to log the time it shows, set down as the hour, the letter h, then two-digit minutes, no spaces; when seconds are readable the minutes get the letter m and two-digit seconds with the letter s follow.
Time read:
8h10
